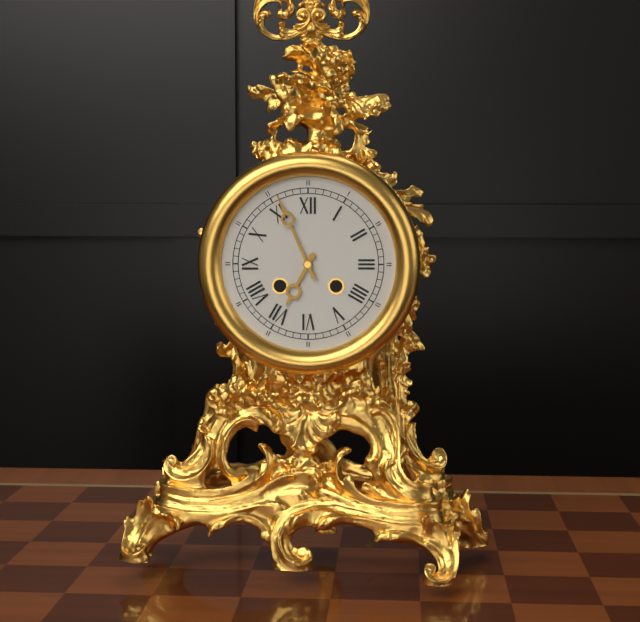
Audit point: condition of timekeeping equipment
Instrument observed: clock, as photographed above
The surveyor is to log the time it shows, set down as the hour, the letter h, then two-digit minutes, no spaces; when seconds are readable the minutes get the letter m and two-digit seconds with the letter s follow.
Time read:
6h56
